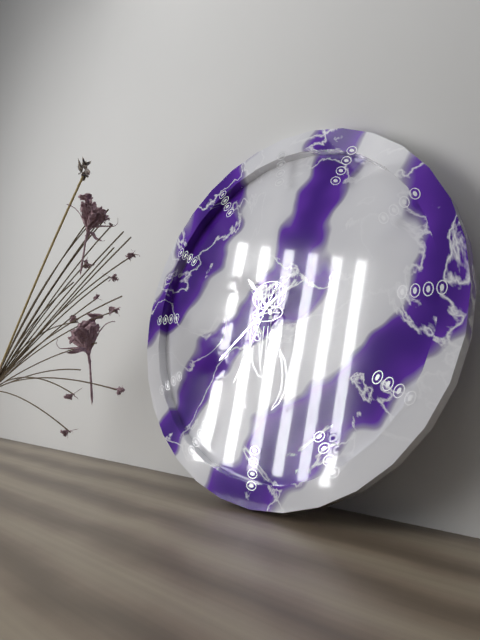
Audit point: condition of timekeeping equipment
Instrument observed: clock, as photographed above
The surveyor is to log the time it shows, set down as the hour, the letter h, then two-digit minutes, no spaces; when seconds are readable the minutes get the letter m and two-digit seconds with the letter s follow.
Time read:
10h38m34s
